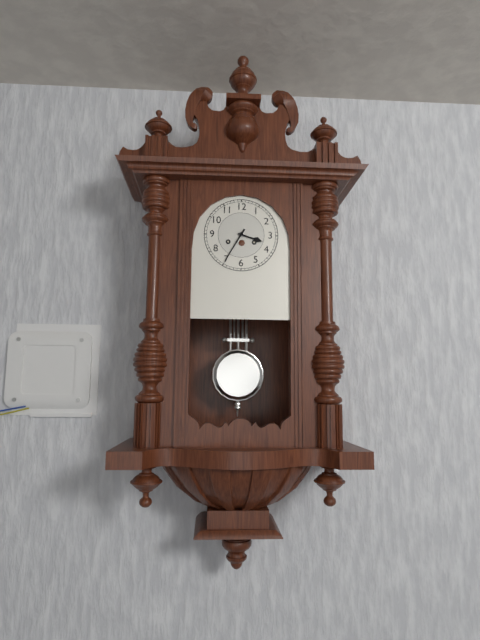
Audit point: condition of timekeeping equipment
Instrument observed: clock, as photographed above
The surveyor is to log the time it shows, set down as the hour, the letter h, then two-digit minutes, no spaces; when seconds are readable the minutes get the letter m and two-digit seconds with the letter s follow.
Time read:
3h35
